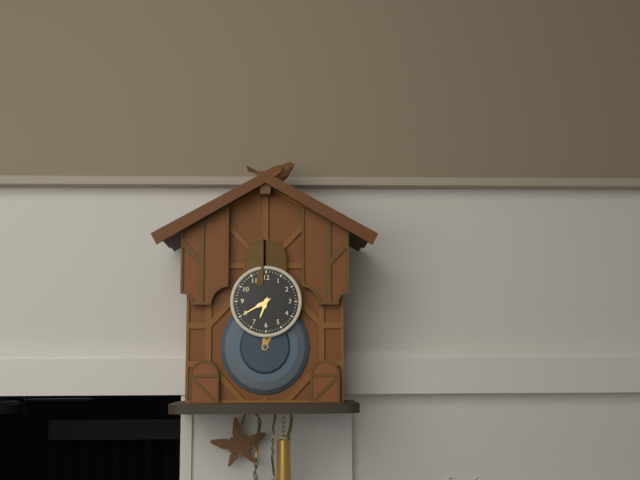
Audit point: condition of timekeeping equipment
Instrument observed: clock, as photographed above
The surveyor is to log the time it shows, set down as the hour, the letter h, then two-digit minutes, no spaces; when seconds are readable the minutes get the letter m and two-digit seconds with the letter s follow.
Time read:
6h40
